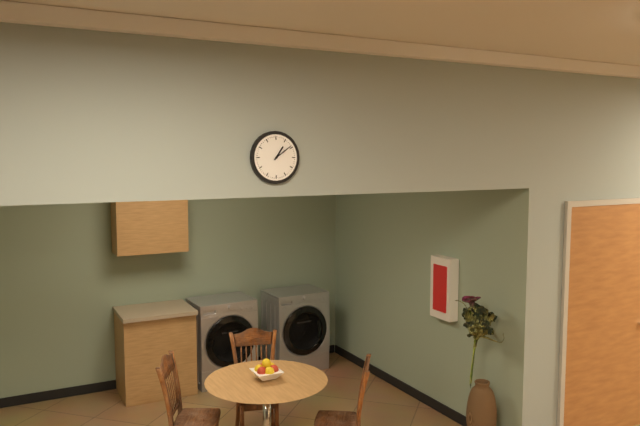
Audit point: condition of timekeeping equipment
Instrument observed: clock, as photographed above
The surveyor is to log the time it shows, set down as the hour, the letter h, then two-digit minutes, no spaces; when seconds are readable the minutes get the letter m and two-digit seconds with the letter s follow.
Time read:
1h09
